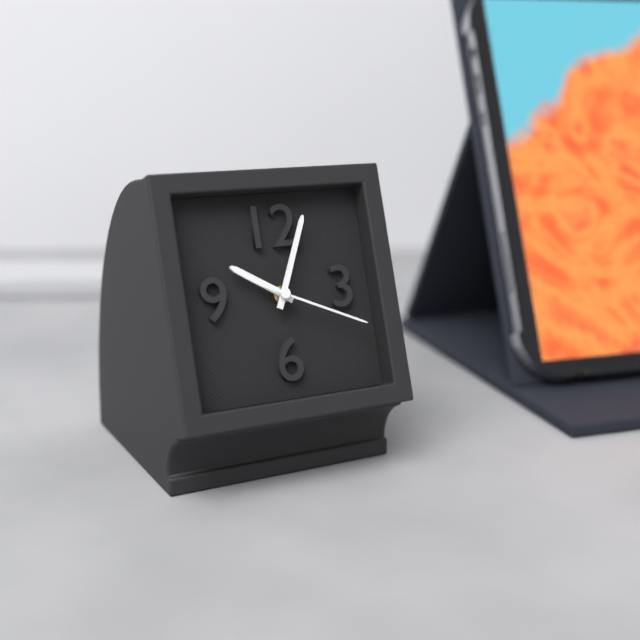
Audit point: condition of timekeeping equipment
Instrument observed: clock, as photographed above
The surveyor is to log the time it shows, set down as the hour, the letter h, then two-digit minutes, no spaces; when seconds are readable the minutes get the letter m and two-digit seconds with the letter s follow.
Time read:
10h04m19s
